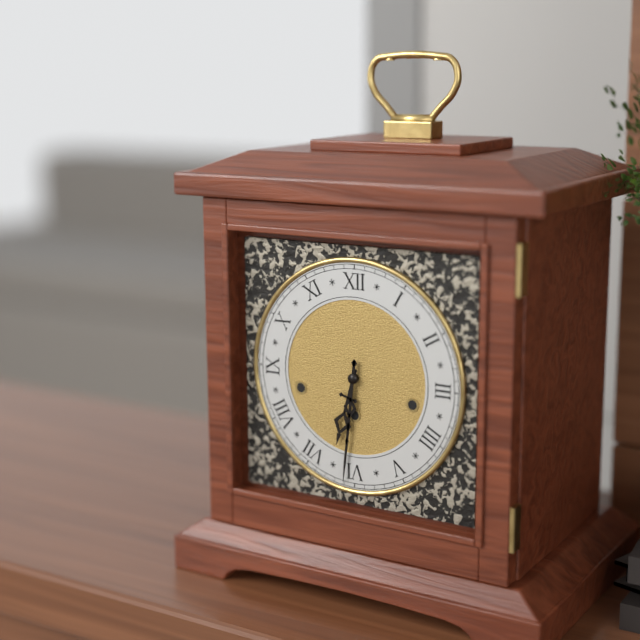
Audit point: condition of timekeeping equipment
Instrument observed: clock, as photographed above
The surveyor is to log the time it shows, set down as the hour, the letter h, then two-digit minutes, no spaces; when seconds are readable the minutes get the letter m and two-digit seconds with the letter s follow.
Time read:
6h31
